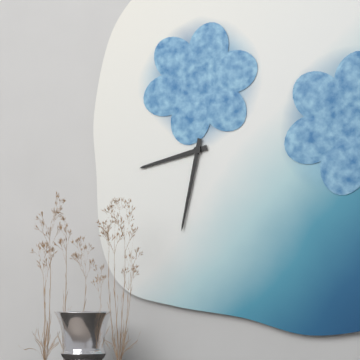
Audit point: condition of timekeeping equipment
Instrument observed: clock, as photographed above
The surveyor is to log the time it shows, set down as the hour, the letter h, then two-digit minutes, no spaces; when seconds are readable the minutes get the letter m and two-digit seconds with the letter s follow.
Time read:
8h32
